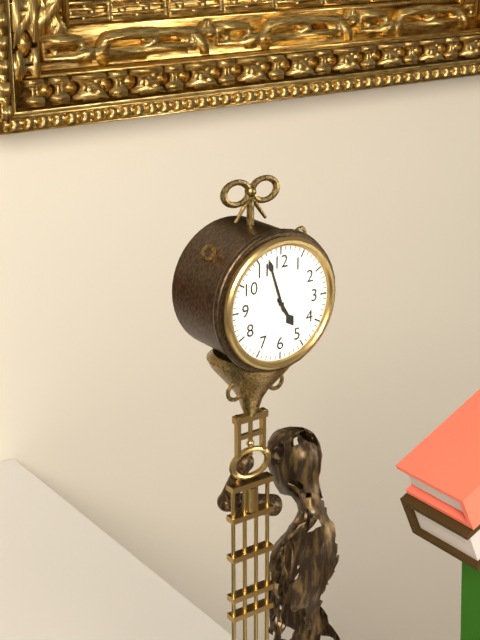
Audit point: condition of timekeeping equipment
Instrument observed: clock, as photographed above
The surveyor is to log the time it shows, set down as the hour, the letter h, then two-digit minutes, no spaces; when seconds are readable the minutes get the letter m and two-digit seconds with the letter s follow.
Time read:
4h57
